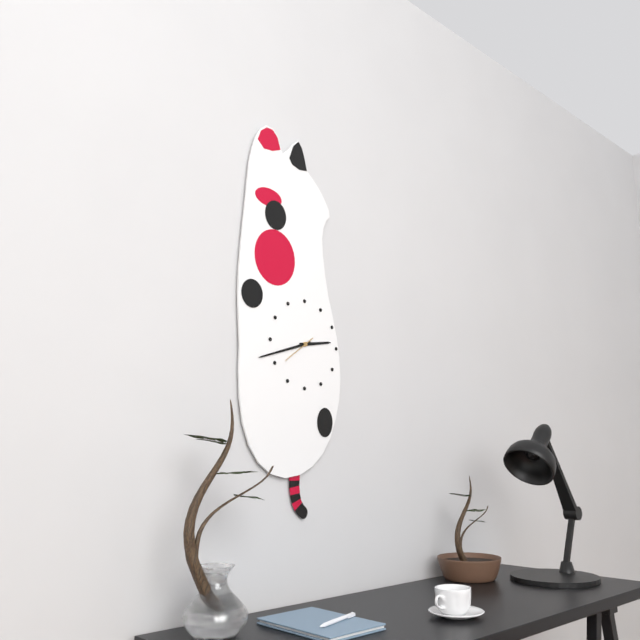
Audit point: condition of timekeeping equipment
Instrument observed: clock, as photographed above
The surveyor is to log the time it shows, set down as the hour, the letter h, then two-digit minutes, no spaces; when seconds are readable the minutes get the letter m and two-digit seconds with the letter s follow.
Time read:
2h42
